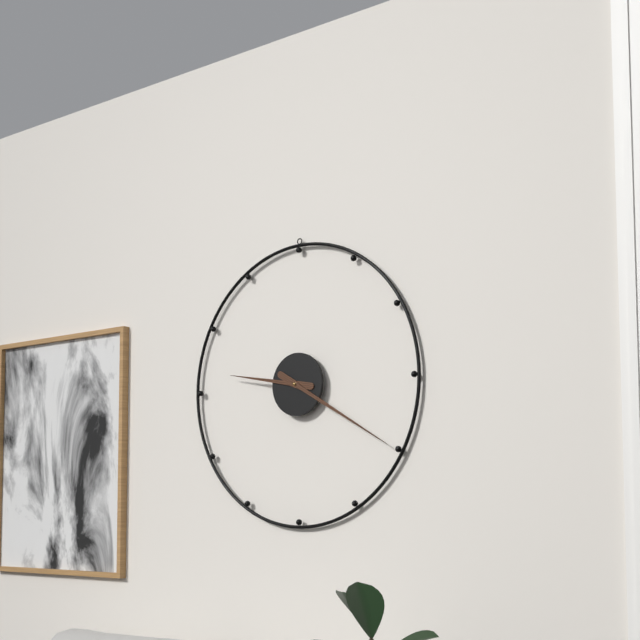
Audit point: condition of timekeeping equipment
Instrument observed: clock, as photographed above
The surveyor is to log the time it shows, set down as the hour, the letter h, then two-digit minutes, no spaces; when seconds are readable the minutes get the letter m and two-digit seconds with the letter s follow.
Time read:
9h20
